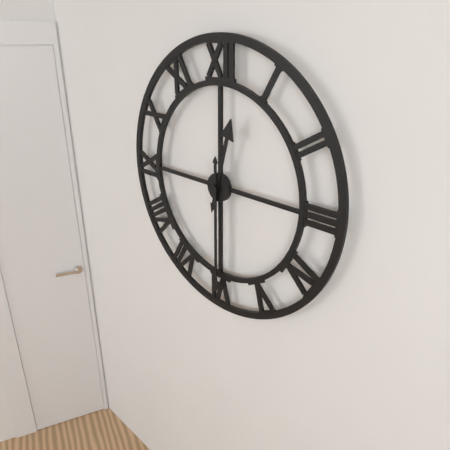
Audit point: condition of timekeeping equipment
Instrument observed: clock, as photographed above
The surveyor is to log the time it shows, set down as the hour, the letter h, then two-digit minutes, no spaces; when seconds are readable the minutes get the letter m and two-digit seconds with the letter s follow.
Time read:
12h30
